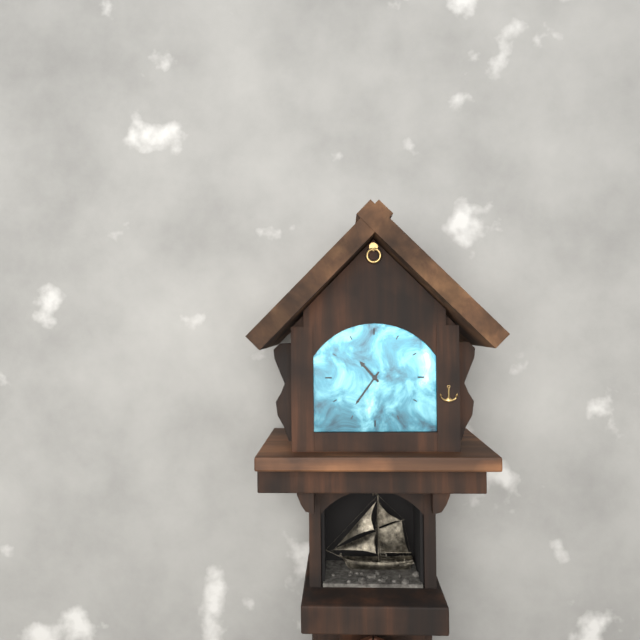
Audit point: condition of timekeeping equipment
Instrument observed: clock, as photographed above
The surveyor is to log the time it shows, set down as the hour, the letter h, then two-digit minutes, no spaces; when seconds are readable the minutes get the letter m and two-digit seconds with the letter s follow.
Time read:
10h36
